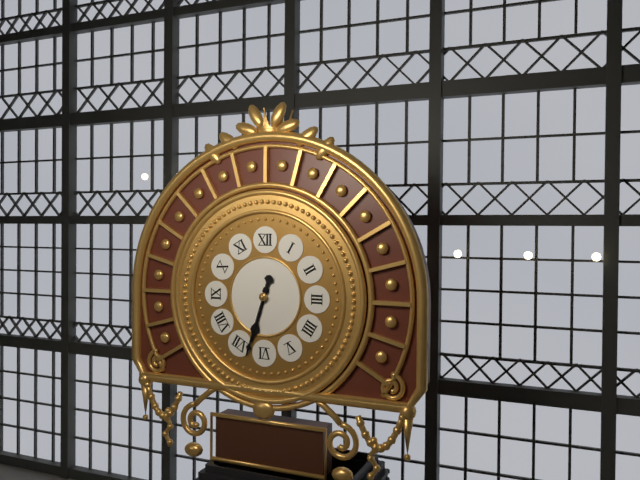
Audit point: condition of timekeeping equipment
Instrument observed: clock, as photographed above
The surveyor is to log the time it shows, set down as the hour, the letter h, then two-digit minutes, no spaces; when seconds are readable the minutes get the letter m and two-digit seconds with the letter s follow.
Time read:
6h33
